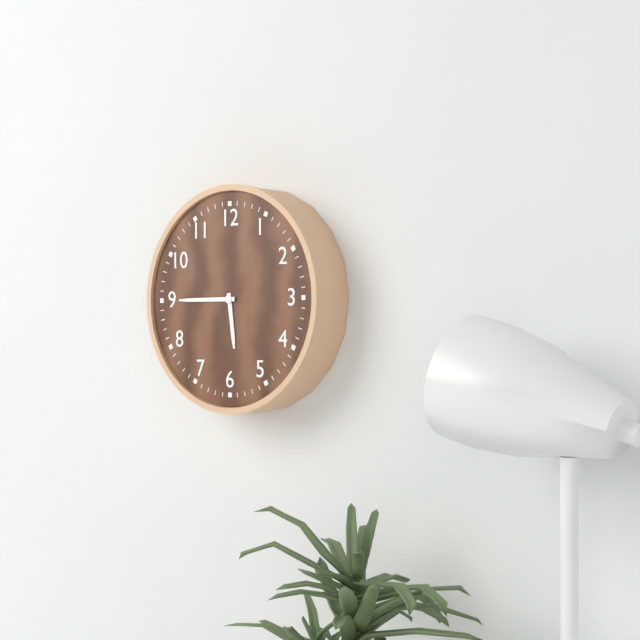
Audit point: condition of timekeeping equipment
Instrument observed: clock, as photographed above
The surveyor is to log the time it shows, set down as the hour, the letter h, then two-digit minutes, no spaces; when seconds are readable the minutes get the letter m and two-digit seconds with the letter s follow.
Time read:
5h45
